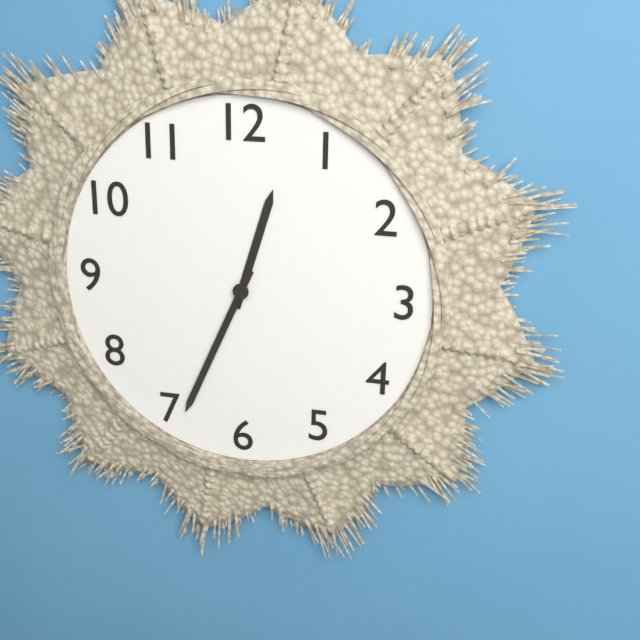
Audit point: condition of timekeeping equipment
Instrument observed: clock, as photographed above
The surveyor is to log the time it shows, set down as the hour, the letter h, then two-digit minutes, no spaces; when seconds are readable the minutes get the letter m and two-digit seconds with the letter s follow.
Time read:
12h34
